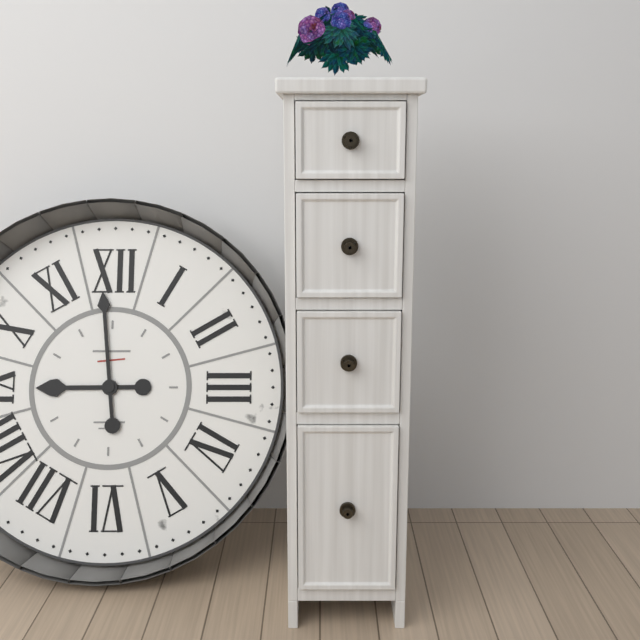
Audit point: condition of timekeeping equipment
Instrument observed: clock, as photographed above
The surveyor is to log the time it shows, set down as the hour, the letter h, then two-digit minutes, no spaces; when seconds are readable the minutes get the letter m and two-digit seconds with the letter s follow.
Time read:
8h59
